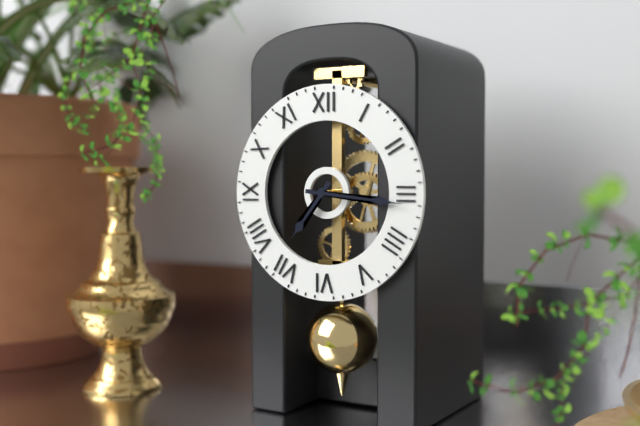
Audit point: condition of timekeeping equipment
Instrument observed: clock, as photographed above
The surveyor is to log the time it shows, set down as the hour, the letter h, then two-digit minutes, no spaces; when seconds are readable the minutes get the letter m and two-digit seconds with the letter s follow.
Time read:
7h16
